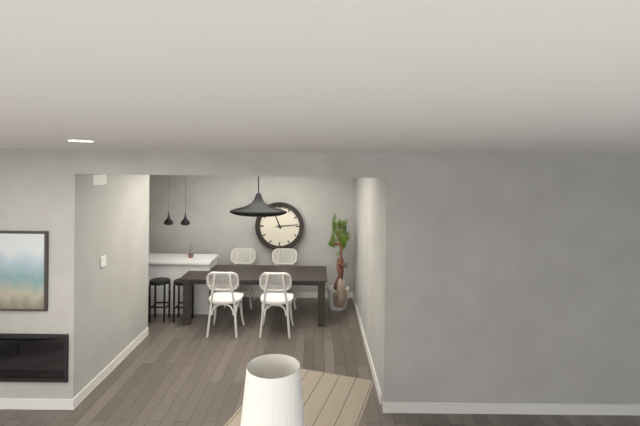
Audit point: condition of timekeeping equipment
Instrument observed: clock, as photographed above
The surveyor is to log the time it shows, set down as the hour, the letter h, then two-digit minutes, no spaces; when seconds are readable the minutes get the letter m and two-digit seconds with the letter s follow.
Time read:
11h14
